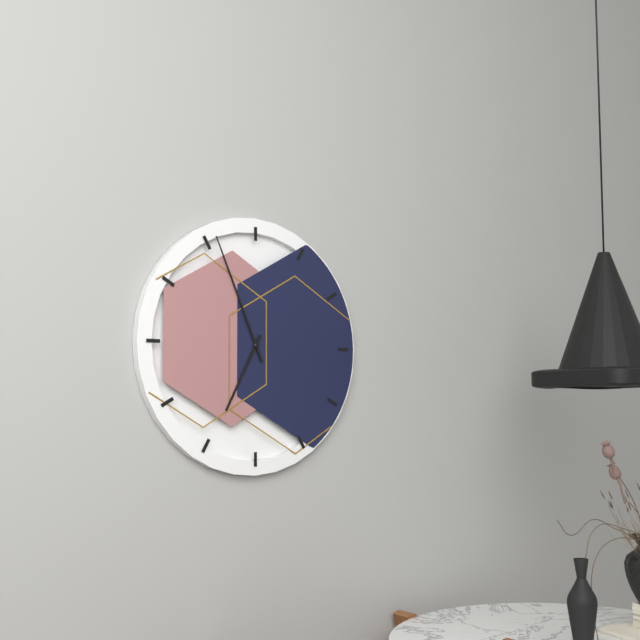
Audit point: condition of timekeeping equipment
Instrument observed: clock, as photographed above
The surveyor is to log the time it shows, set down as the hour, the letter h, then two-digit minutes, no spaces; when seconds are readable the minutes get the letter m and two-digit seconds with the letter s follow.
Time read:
6h56
